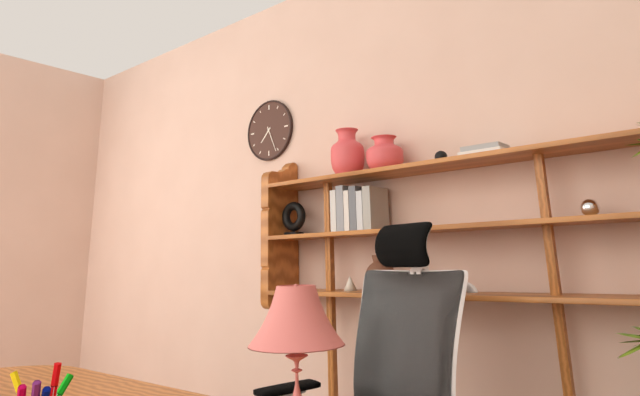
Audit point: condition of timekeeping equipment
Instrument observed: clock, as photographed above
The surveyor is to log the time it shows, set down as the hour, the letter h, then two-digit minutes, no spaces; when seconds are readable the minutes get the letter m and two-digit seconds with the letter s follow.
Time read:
7h26
